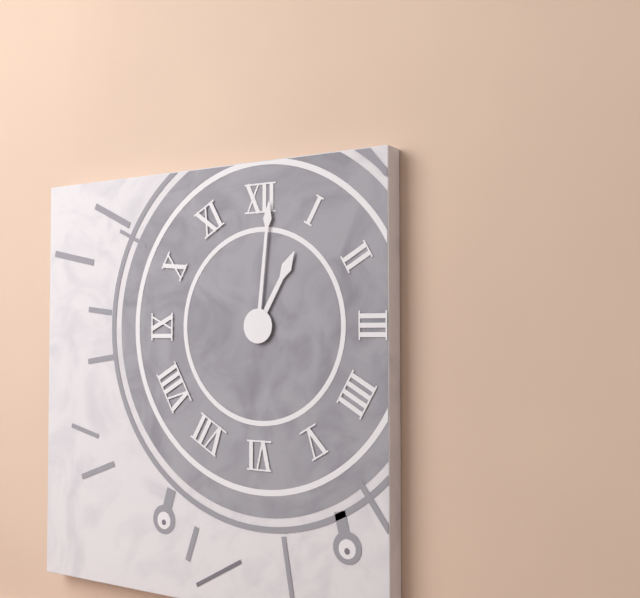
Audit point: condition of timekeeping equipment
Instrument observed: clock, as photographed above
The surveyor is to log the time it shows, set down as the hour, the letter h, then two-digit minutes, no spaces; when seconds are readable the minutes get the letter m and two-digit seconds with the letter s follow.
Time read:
1h01
